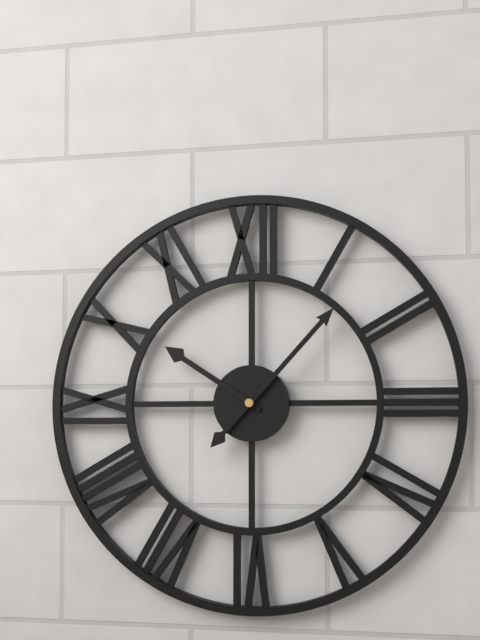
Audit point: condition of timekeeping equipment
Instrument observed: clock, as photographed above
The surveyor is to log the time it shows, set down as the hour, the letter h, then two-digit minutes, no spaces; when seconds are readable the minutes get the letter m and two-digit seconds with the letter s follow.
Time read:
10h07
